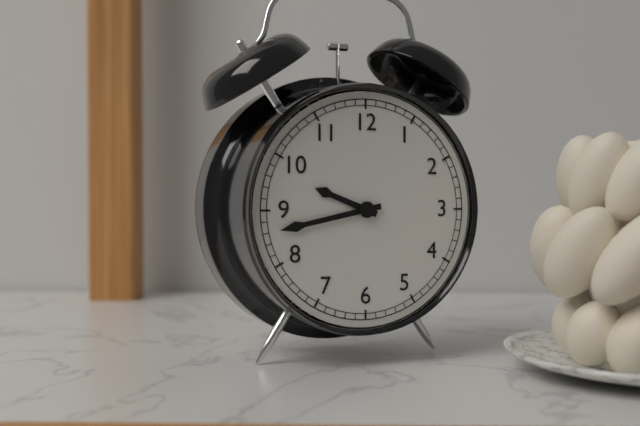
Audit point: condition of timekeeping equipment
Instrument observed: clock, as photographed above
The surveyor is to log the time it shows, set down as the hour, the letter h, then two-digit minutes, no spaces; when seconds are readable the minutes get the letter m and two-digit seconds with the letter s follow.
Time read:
9h43
